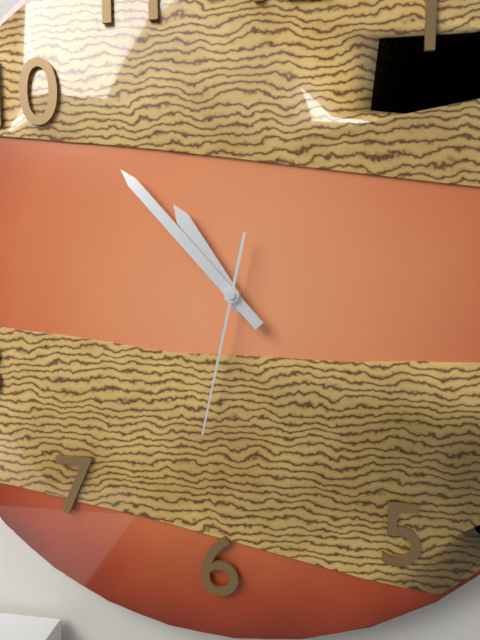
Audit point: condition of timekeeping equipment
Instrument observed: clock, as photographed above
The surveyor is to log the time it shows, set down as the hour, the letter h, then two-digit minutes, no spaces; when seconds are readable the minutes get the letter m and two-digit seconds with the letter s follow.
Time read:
10h53m32s
